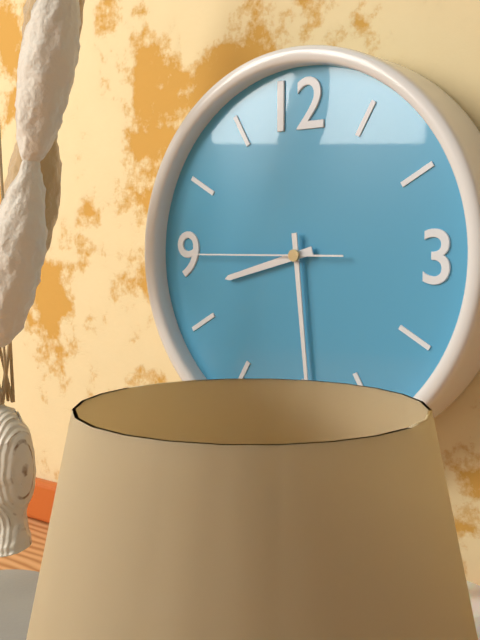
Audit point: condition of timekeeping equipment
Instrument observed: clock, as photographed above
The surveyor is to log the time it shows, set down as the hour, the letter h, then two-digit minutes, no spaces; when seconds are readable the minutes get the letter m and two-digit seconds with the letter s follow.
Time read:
8h29m45s
